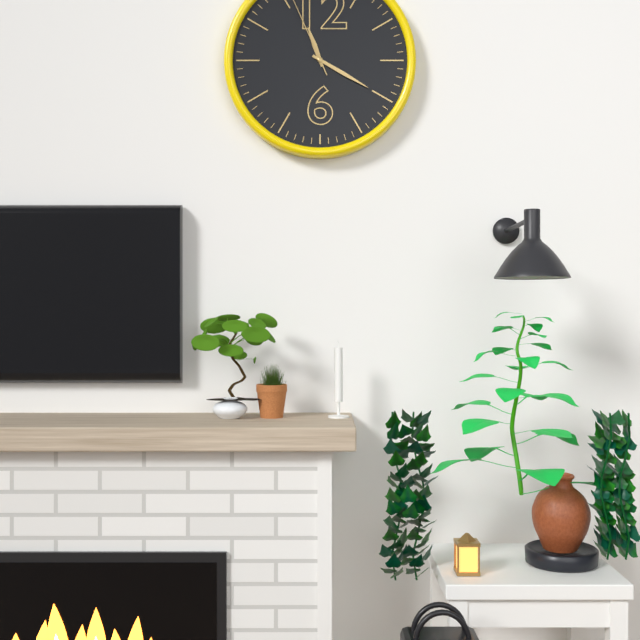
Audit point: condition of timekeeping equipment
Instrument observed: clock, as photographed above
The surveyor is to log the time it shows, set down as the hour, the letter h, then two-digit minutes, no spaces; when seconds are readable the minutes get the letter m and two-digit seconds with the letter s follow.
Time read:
11h20
